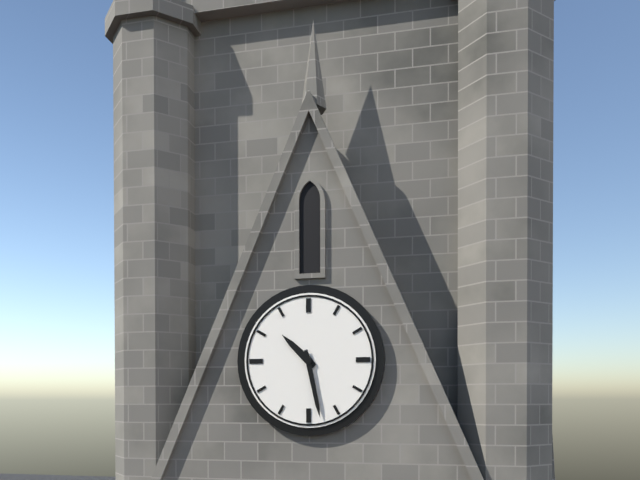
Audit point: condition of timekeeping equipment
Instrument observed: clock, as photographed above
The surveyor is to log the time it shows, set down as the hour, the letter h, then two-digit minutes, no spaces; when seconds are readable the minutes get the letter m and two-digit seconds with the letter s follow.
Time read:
10h28
